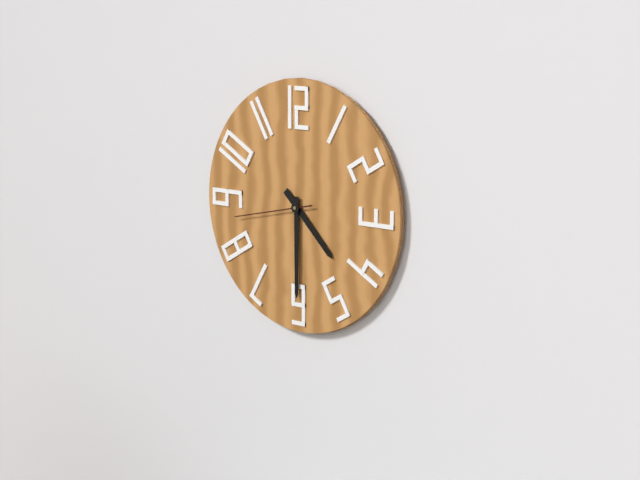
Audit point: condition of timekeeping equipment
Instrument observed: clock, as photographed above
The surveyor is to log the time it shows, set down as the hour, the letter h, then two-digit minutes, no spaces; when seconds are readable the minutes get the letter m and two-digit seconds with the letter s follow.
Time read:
4h30m43s
